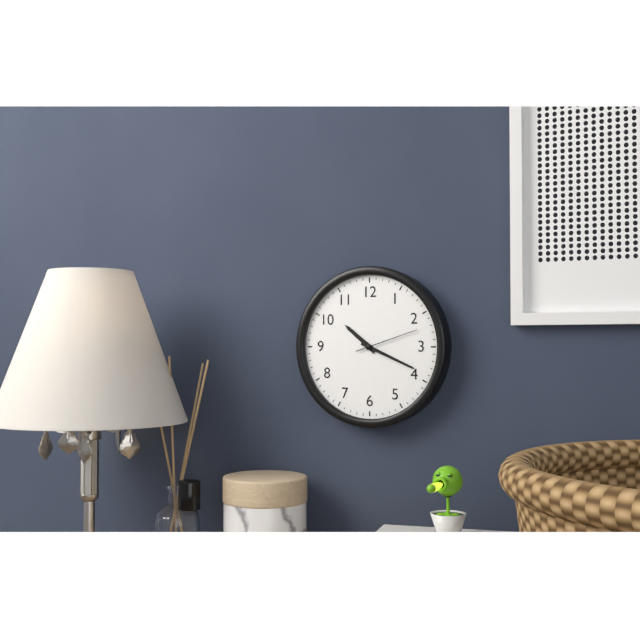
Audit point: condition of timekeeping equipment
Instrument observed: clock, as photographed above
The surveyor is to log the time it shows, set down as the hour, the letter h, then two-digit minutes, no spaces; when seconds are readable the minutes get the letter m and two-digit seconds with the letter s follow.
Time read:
10h19m12s
